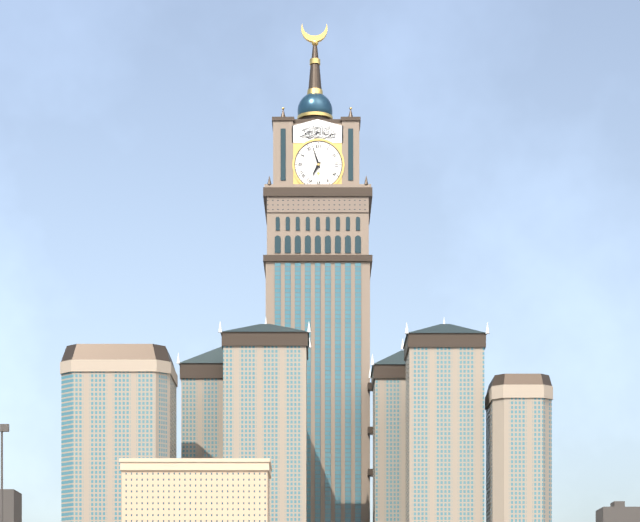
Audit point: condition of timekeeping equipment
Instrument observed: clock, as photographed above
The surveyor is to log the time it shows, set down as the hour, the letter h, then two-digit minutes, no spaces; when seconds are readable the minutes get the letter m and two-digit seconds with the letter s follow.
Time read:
6h57
